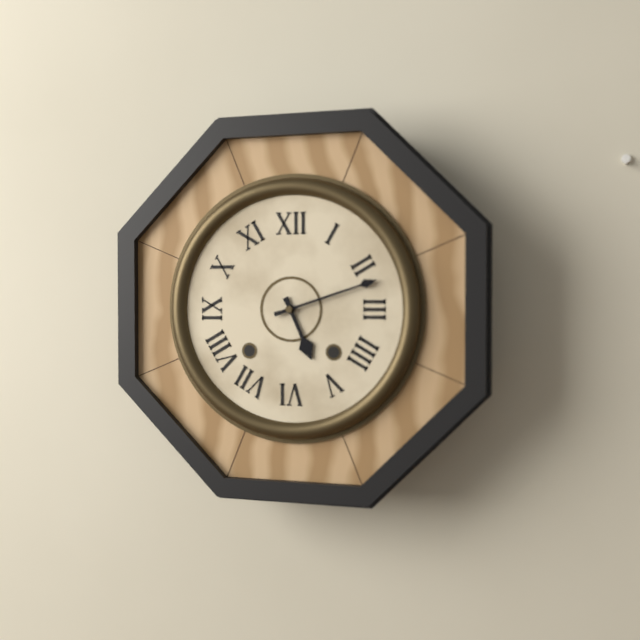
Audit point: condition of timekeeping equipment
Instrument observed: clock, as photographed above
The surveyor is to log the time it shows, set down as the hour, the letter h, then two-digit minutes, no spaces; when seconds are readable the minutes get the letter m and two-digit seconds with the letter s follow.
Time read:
5h12
